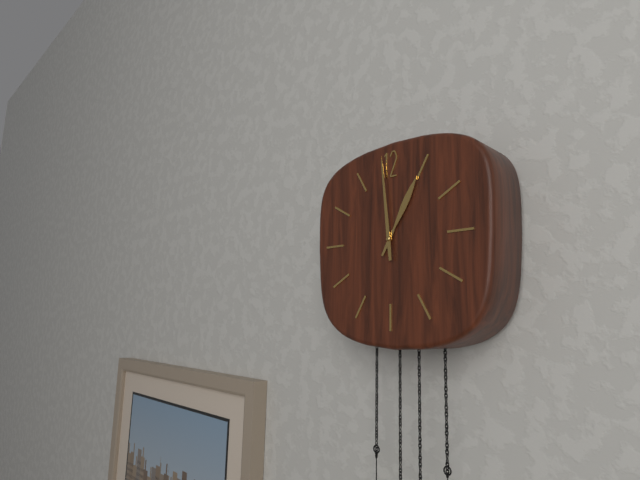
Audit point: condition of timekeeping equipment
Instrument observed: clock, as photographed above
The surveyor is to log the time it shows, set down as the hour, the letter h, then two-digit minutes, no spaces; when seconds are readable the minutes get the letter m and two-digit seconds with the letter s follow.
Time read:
12h59
